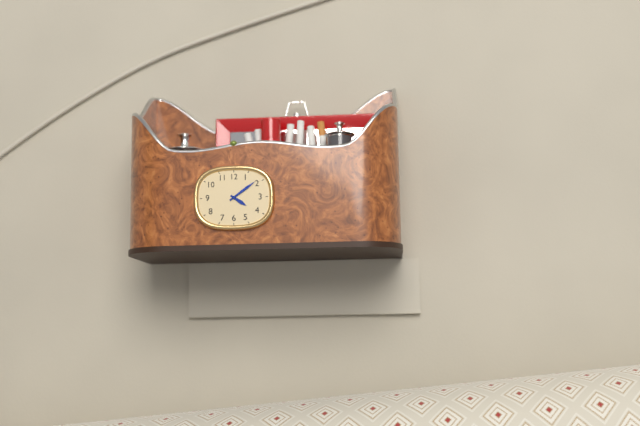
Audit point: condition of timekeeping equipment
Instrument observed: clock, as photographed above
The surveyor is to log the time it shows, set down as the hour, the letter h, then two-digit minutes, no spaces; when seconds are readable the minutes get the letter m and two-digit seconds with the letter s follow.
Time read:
4h09
